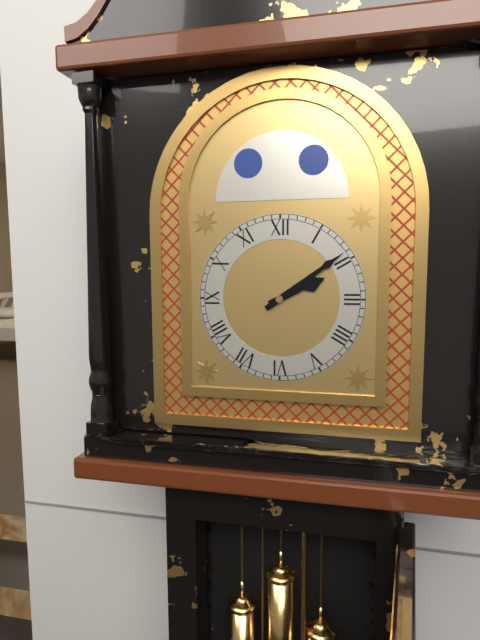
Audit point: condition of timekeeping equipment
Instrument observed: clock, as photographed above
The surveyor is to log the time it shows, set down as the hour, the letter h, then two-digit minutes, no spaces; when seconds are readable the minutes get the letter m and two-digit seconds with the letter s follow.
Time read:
2h09
